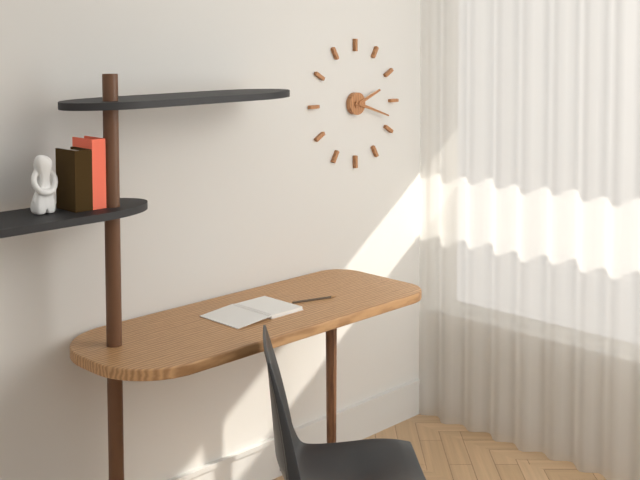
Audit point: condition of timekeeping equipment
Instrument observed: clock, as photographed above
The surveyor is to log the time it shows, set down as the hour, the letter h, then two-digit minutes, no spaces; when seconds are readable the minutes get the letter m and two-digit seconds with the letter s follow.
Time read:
2h18
